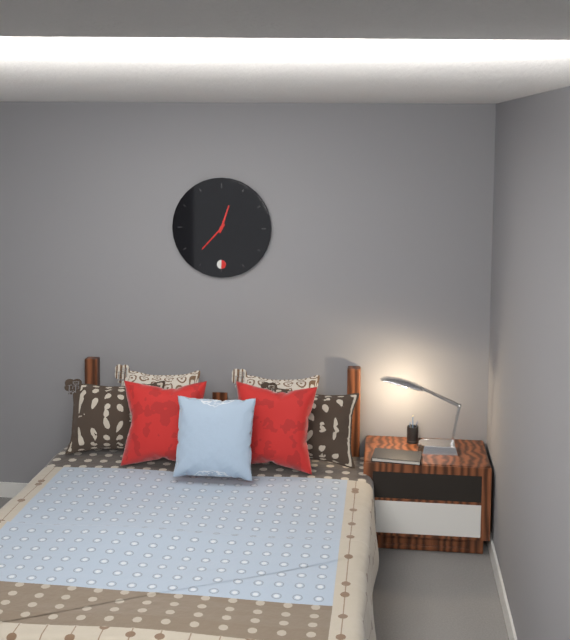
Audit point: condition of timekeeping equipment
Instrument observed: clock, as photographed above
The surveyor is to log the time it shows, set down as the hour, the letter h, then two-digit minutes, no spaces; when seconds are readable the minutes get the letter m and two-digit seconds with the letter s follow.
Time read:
12h37
